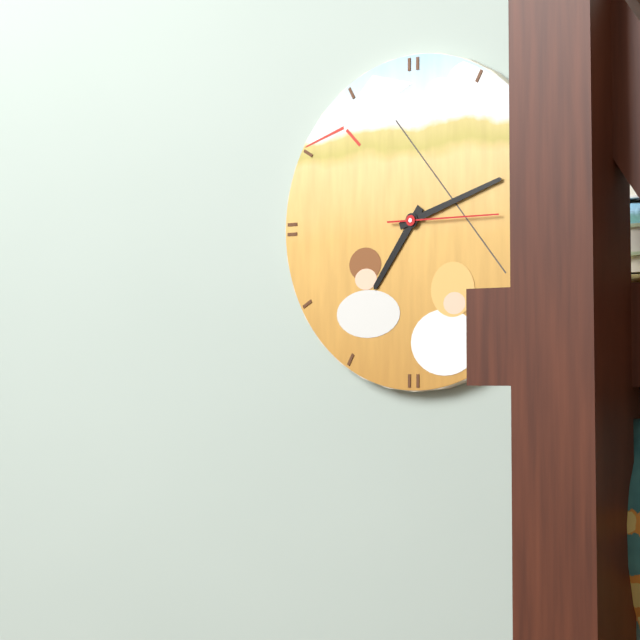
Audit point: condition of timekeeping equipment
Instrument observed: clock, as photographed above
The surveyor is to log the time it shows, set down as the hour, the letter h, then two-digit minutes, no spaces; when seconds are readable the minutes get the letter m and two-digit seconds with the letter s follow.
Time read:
7h12m15s
